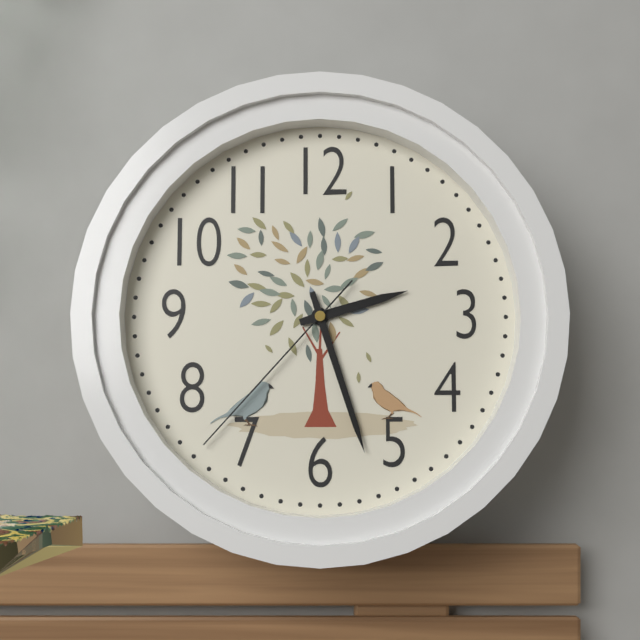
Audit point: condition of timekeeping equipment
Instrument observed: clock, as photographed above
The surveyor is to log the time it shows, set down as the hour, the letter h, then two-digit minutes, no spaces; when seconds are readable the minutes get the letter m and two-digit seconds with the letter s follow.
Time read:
2h27m37s
